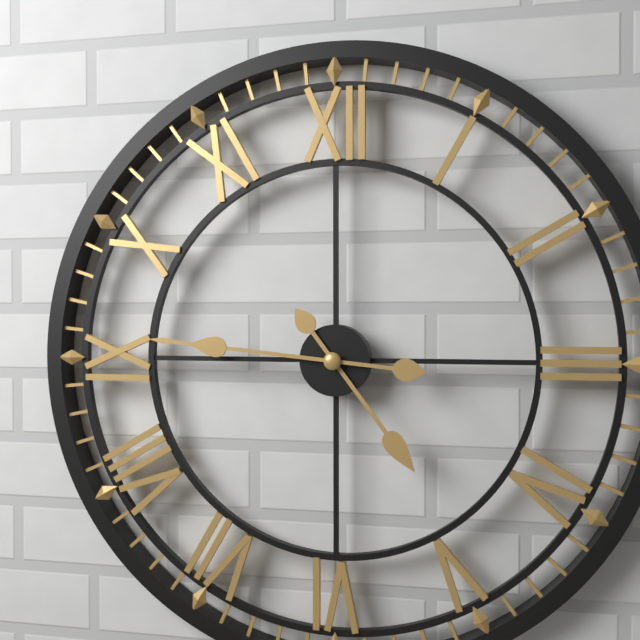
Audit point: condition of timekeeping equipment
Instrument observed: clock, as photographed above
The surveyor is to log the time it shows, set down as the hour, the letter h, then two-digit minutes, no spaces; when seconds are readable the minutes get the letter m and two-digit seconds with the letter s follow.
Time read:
4h46
